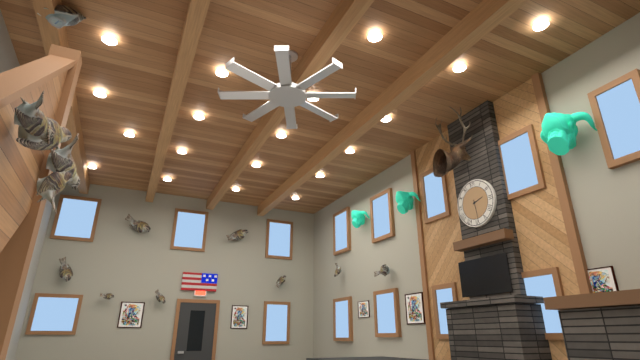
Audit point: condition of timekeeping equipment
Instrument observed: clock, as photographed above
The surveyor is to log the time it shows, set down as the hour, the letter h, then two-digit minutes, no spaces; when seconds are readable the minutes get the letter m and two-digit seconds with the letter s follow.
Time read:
2h29
